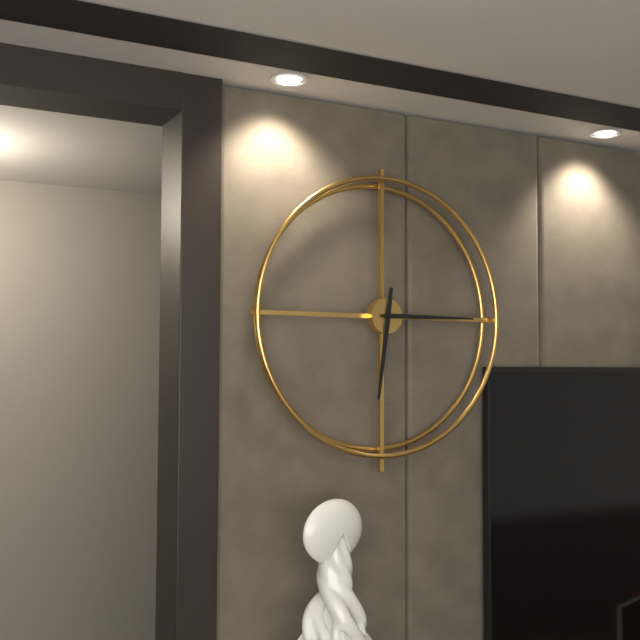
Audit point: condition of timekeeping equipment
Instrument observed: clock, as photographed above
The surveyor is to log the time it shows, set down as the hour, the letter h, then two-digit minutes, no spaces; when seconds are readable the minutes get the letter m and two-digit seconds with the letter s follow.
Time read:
6h15
